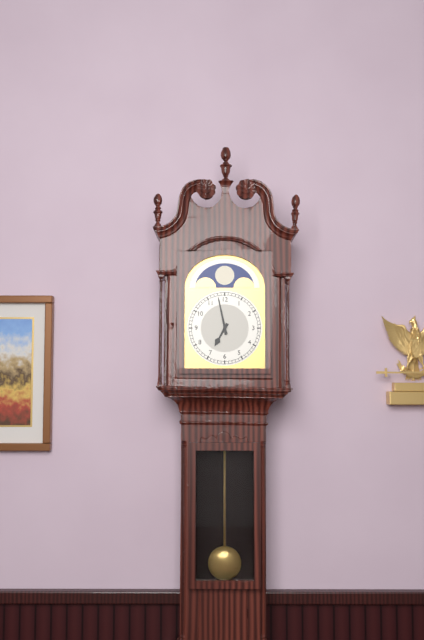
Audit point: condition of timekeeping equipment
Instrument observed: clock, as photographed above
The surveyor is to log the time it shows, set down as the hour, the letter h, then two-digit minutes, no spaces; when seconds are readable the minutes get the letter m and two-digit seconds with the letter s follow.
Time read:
6h58
